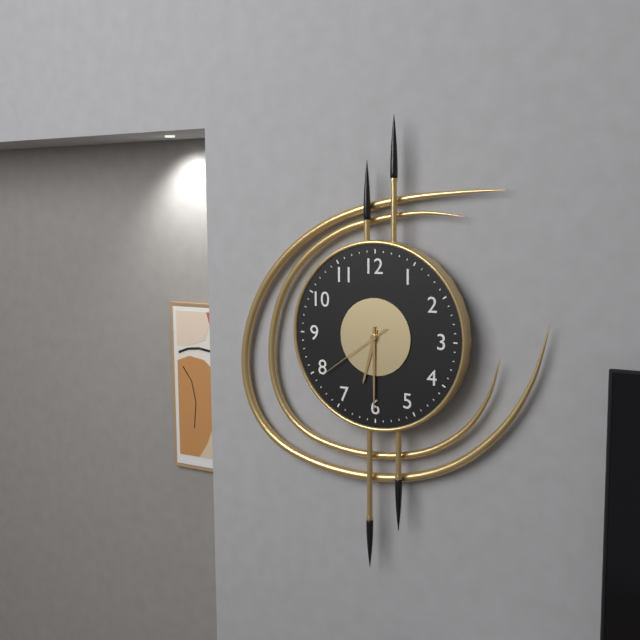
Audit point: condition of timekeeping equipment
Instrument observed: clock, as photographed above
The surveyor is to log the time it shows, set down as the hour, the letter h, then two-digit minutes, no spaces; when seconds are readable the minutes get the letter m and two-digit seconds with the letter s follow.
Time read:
6h30m39s
